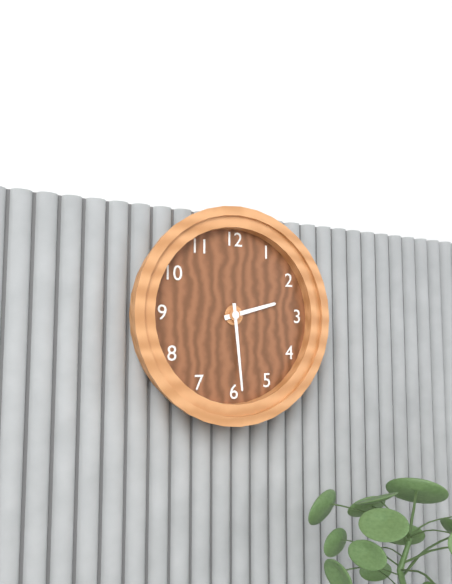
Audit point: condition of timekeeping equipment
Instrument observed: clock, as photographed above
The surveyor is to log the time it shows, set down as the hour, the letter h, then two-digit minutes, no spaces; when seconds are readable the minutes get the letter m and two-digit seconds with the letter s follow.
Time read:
2h29
